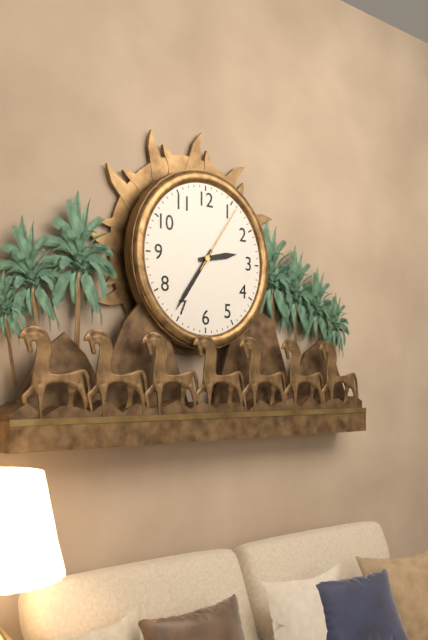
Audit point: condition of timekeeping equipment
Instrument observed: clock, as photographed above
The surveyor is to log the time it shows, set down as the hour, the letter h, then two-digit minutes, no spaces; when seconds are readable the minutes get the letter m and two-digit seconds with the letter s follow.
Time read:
2h36m06s
